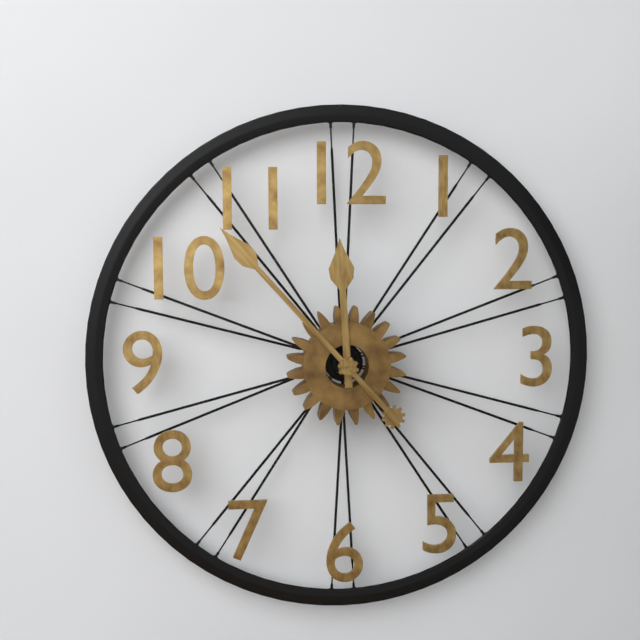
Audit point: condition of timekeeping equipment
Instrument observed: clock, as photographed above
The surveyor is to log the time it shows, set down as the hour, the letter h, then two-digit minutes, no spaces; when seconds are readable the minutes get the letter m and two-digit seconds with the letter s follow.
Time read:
11h53
